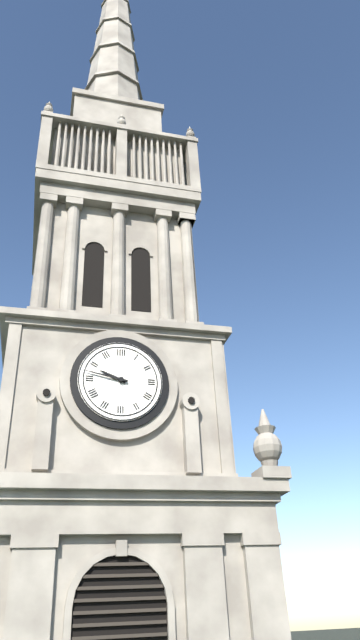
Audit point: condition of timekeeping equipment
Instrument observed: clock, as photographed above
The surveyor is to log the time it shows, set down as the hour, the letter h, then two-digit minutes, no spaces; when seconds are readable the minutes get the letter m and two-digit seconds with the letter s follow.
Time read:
9h47
